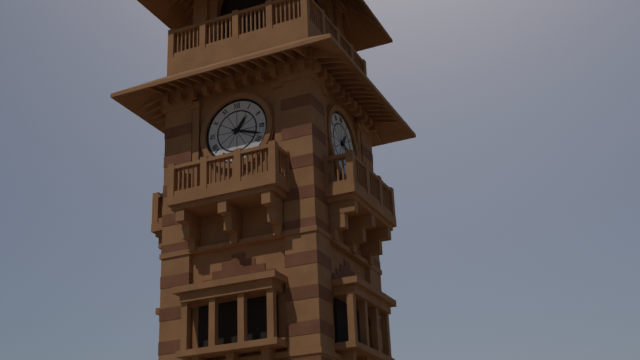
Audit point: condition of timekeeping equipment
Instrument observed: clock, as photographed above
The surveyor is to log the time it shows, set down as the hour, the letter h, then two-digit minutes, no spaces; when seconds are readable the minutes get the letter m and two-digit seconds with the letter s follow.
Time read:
1h18
